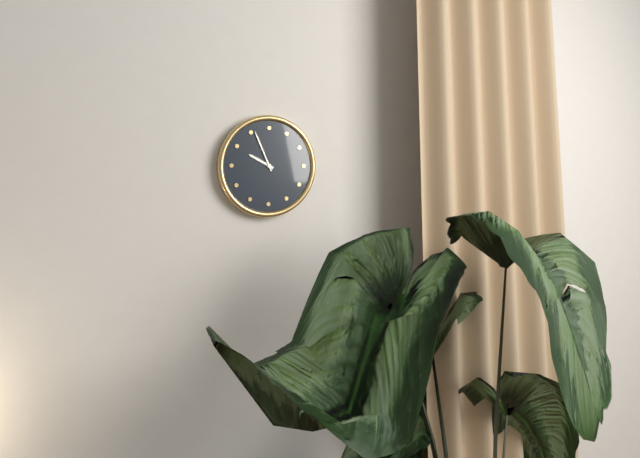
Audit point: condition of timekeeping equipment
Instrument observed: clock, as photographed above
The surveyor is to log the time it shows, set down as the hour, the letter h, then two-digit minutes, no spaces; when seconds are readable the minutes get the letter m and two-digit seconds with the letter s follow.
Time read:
9h56
